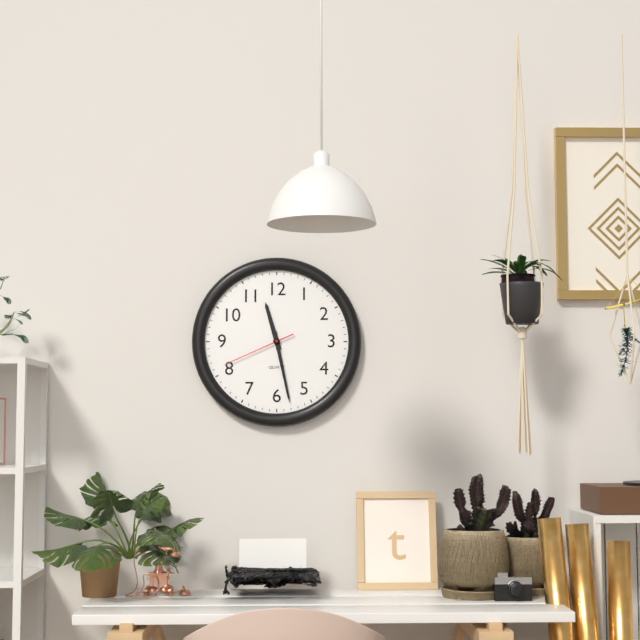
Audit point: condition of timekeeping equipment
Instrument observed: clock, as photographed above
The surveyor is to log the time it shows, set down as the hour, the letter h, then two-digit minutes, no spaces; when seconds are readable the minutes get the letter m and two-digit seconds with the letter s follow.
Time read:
11h28m41s
